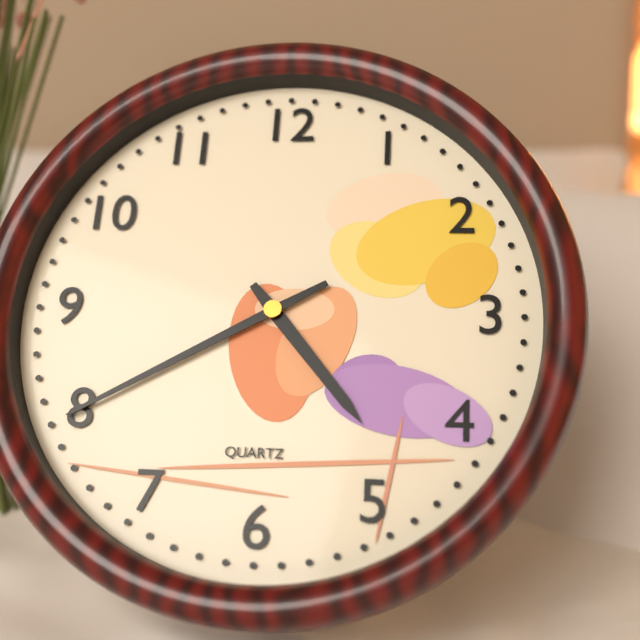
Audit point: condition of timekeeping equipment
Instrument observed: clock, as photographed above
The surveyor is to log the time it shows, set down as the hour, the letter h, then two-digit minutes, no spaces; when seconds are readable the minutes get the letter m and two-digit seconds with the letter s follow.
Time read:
4h40
